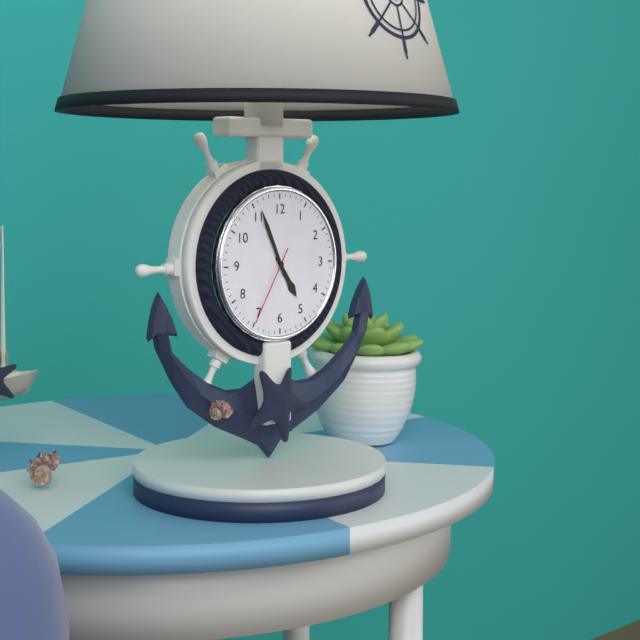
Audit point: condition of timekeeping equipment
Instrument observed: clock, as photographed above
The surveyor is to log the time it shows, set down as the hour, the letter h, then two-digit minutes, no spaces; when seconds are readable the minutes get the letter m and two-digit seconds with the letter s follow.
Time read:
4h56m35s
